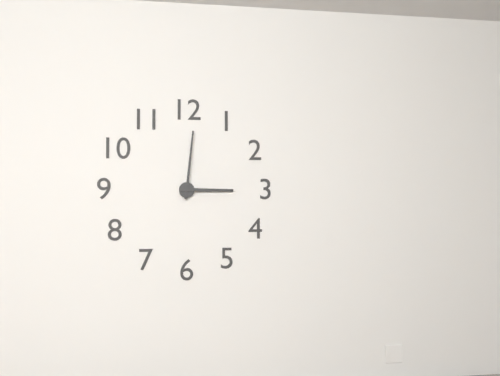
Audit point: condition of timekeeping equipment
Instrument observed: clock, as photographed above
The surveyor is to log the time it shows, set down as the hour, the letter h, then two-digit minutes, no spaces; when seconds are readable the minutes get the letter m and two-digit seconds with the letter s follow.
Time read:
3h01
